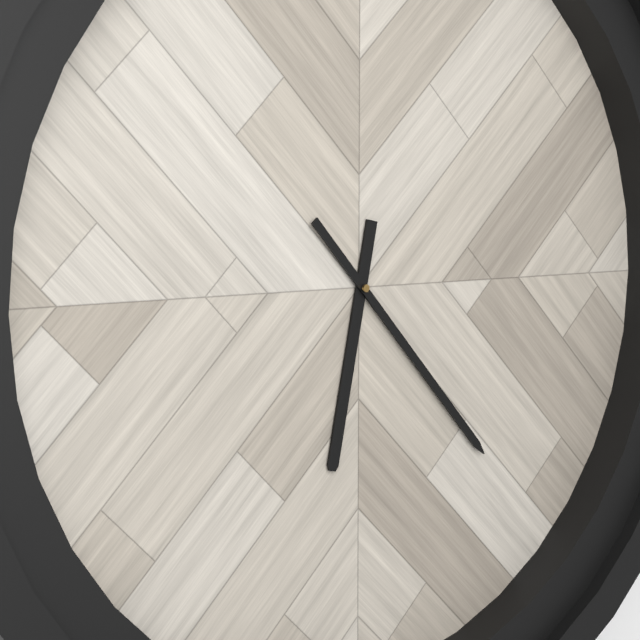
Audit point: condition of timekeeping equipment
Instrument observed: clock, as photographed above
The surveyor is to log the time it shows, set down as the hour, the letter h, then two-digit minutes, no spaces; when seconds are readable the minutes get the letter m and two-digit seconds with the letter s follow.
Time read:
6h23
